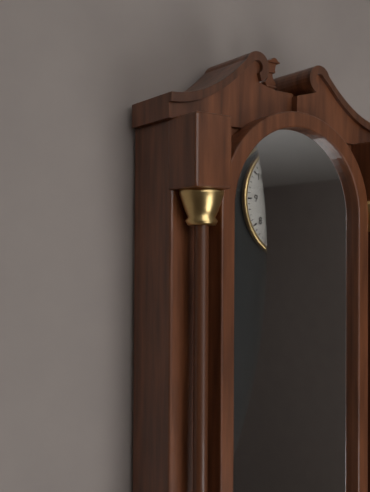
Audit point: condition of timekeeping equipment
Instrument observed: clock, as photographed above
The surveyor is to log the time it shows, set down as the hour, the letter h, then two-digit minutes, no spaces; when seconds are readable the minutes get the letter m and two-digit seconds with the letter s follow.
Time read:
11h35
